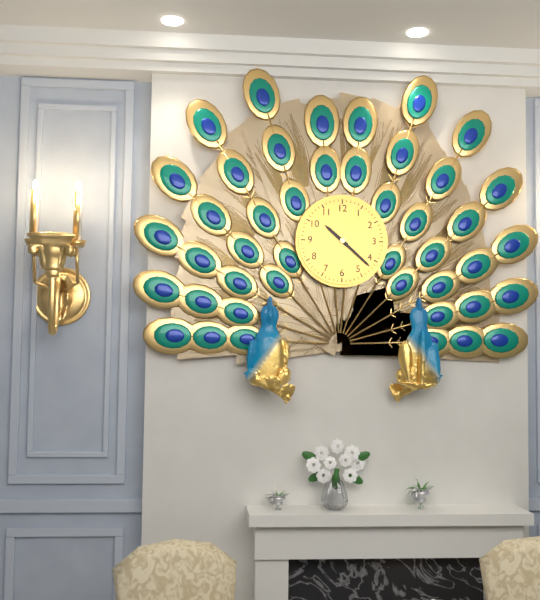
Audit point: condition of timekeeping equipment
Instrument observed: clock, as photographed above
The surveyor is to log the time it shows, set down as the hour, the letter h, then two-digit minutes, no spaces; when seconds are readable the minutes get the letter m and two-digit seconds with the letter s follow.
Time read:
10h22
